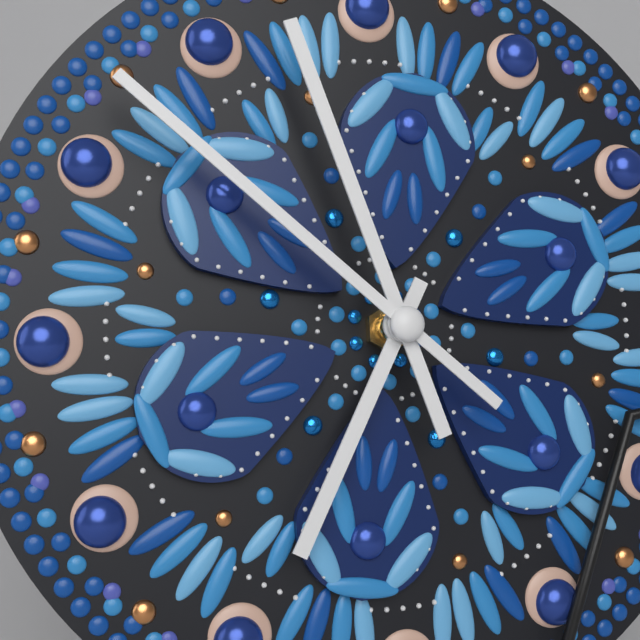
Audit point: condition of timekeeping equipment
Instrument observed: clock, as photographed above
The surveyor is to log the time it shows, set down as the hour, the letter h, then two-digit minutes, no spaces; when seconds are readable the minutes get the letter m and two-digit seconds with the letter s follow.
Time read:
6h57m52s
